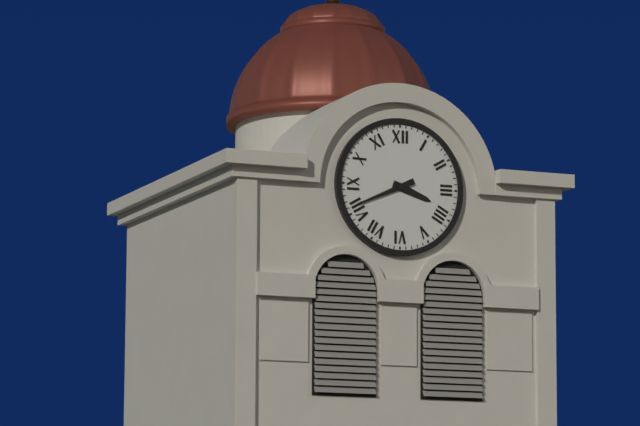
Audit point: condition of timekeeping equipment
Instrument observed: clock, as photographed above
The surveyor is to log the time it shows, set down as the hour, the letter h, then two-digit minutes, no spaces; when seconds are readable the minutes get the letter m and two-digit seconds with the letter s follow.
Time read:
3h41
